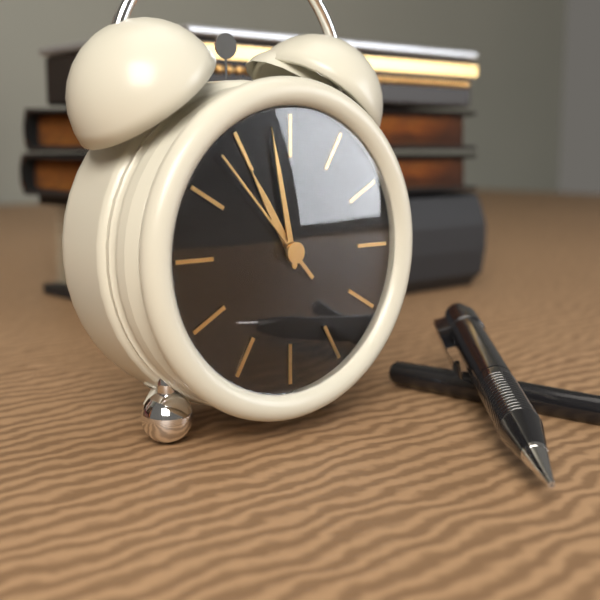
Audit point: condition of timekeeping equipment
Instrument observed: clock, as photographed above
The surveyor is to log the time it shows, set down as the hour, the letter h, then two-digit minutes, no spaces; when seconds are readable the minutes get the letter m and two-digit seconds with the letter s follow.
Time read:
10h58m53s
